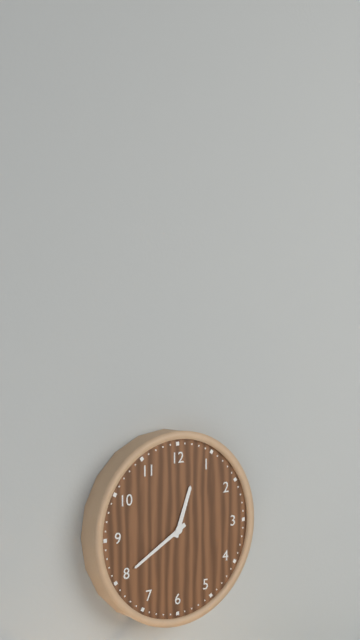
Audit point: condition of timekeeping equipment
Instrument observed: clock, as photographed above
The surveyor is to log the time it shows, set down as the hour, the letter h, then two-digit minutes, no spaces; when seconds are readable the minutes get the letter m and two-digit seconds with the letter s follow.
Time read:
12h40
